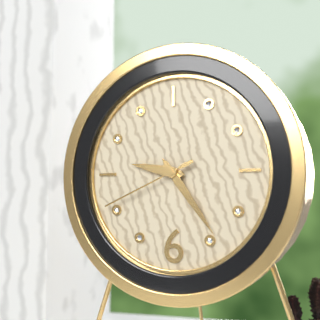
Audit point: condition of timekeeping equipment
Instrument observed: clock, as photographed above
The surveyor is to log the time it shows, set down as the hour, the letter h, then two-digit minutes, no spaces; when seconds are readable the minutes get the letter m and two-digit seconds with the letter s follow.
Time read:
9h24m41s
